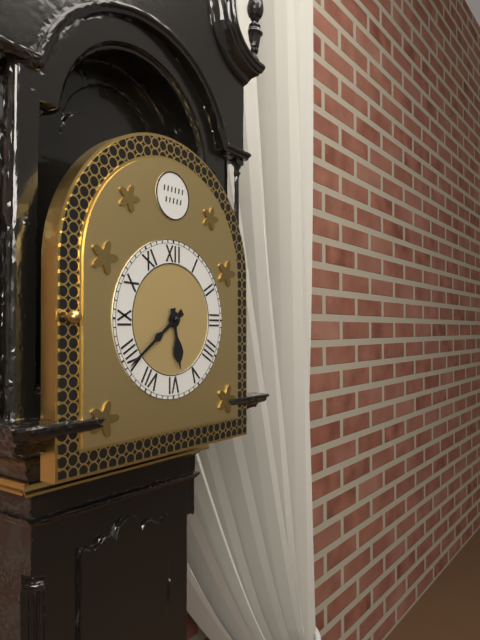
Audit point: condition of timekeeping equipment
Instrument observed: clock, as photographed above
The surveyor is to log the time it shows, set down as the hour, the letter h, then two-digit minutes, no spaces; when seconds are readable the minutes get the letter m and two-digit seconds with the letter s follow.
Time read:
5h39
